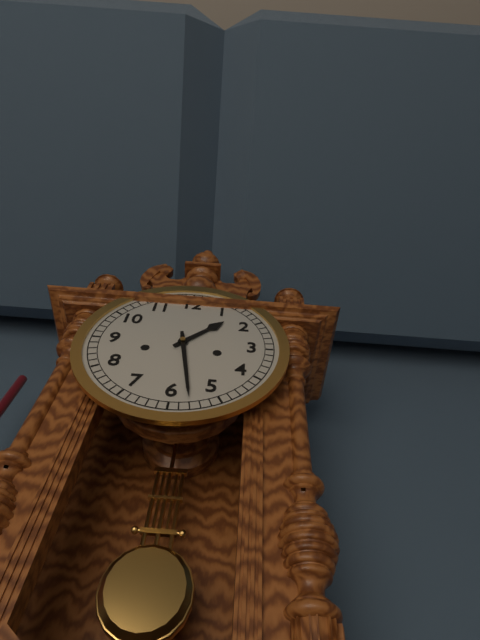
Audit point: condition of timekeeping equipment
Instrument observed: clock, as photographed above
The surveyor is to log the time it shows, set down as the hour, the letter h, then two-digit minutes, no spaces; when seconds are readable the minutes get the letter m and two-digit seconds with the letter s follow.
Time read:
1h28
